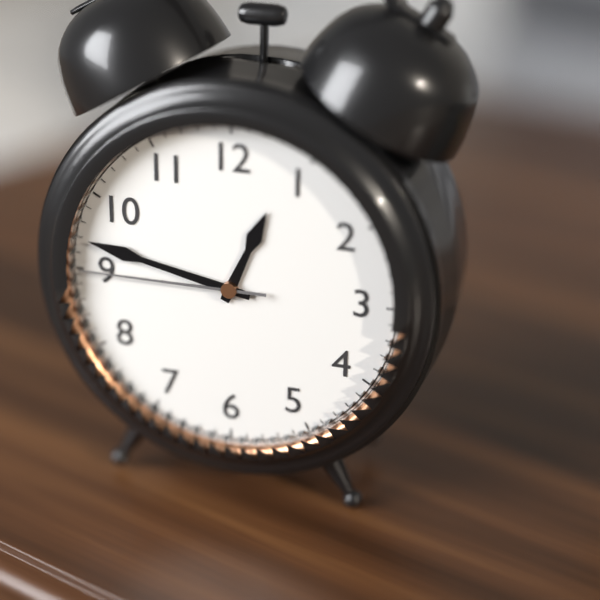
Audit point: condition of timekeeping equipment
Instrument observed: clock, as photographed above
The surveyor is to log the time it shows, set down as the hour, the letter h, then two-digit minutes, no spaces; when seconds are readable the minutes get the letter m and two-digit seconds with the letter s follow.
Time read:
12h47m45s
